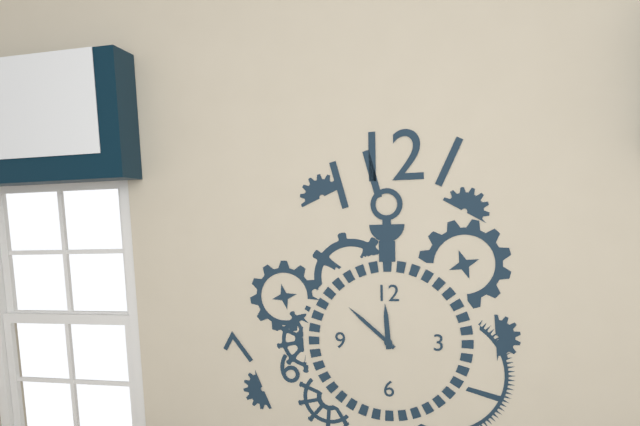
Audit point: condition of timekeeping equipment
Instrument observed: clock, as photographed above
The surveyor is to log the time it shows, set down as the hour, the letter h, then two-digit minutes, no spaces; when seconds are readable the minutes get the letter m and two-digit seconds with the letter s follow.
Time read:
11h52
